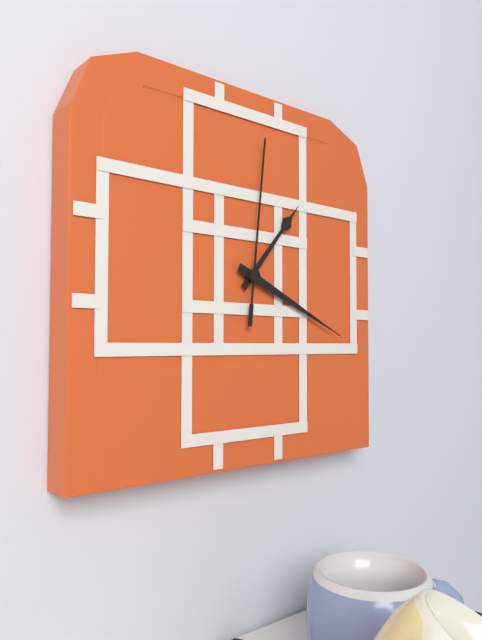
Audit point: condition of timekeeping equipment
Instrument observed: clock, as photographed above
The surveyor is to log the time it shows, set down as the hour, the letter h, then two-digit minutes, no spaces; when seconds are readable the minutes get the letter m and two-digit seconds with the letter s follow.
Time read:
1h19m01s
